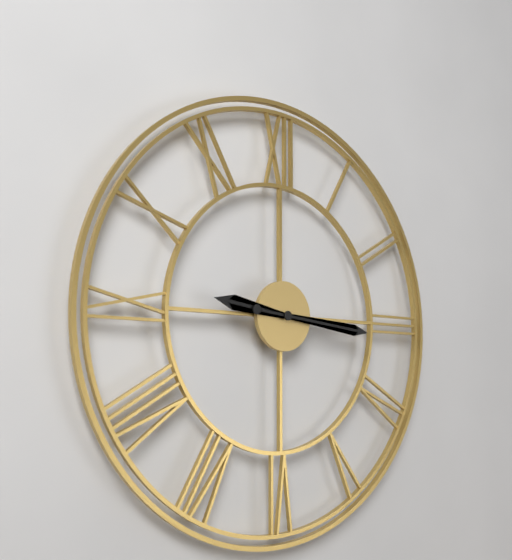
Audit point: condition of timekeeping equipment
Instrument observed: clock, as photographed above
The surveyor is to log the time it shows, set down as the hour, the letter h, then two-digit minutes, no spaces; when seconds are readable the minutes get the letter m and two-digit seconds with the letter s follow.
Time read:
9h16
